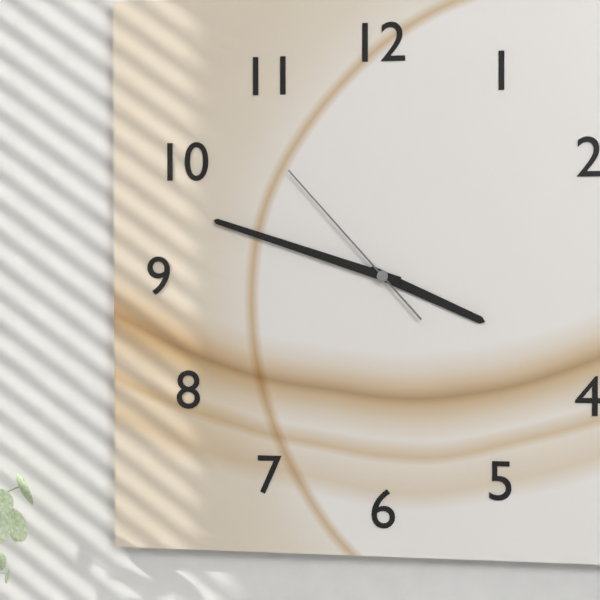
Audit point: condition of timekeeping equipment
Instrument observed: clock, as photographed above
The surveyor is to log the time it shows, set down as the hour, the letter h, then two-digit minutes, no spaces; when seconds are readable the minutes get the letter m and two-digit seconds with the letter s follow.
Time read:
3h48m53s
